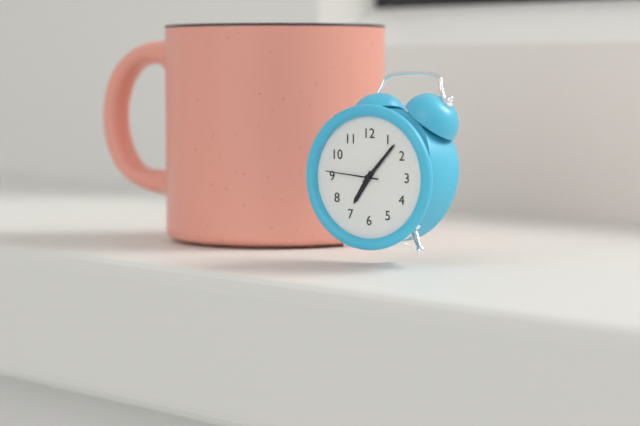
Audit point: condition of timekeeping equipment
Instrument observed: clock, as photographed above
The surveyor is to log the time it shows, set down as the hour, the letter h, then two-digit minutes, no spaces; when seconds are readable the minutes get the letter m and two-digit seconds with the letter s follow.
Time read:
7h07m46s
